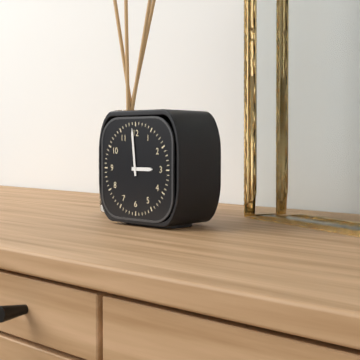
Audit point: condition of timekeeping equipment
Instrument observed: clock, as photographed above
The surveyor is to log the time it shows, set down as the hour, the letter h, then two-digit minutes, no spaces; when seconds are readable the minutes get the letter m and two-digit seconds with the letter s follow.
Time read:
2h59
